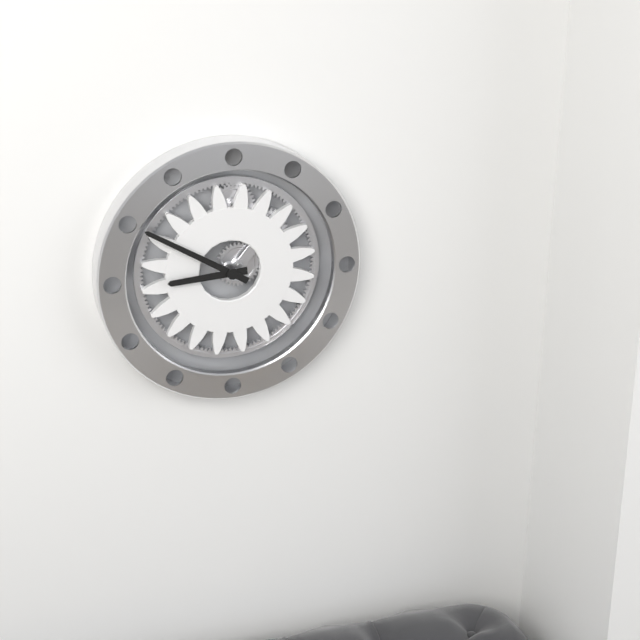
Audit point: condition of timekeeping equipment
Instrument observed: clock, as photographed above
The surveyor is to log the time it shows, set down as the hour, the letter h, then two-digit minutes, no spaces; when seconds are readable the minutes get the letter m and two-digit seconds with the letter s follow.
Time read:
8h50
